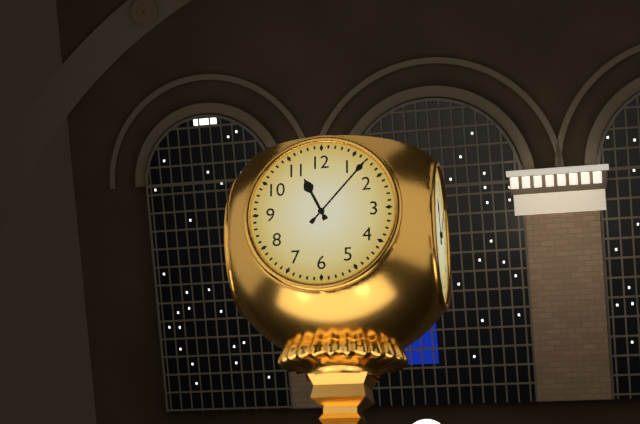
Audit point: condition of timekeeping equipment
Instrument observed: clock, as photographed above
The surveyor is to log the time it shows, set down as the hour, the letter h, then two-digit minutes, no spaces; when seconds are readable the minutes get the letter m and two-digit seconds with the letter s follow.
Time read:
11h07
